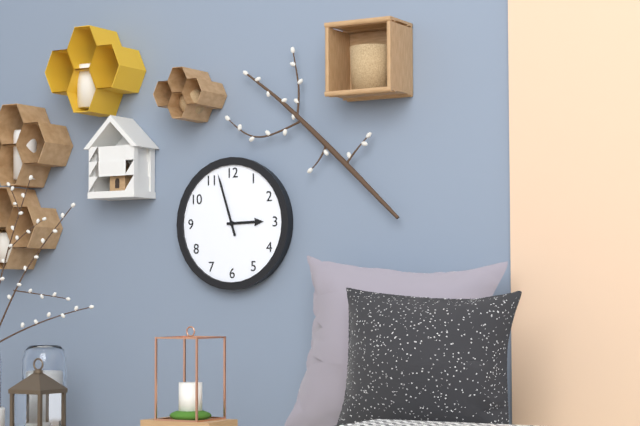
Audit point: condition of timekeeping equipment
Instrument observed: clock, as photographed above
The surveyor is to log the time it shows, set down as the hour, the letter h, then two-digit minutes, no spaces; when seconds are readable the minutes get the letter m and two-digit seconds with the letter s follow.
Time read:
2h57
